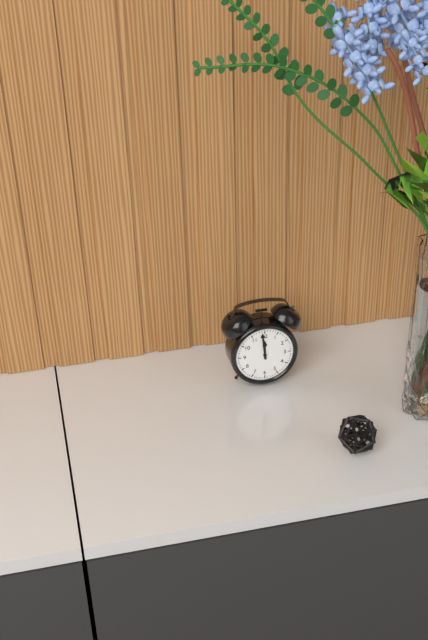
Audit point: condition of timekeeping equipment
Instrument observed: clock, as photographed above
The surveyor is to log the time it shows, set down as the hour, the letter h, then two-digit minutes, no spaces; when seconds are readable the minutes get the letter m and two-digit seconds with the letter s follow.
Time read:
11h59
